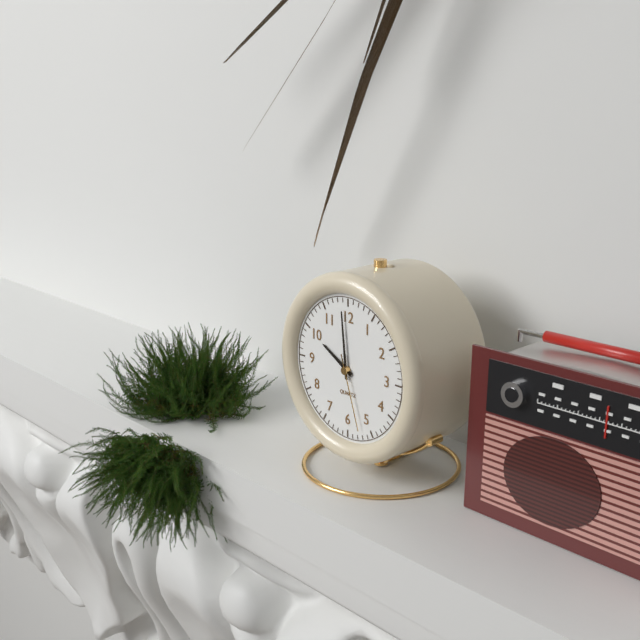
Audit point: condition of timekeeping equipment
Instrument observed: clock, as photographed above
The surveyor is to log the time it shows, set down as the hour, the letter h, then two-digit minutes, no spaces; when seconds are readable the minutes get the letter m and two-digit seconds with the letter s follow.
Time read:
9h59m27s
